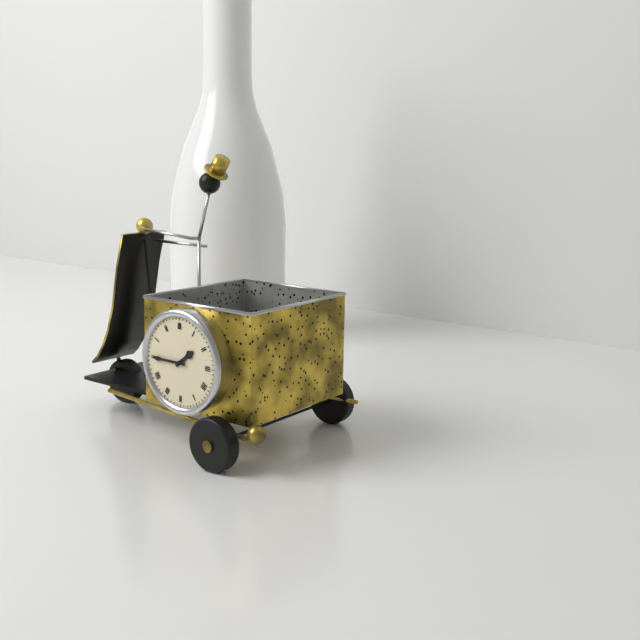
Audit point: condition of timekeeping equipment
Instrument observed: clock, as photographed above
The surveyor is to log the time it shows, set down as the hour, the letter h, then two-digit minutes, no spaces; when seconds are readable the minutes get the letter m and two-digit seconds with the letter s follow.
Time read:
1h45
